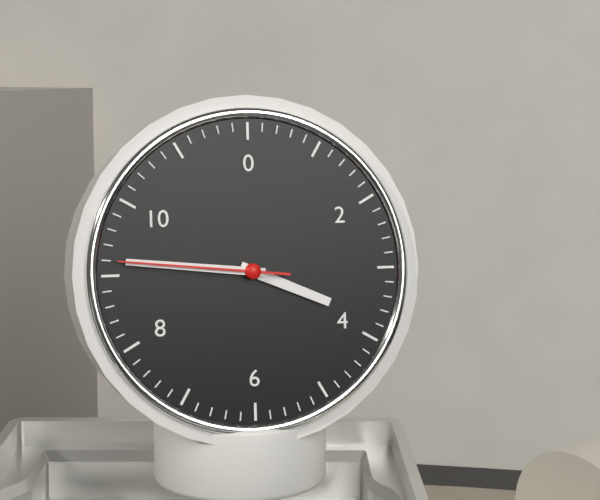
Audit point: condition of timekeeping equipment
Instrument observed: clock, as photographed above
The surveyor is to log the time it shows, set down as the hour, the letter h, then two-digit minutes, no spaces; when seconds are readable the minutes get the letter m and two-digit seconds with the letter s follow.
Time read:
3h46m46s
